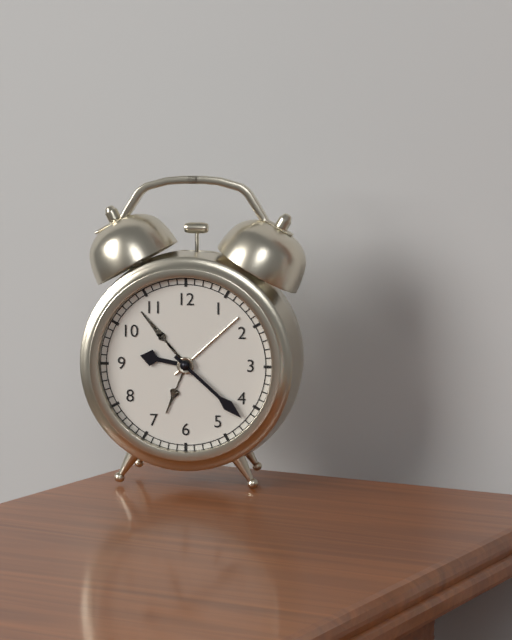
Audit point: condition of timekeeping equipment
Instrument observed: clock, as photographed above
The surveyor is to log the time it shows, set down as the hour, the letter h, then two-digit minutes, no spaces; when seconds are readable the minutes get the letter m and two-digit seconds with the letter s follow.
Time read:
9h22
